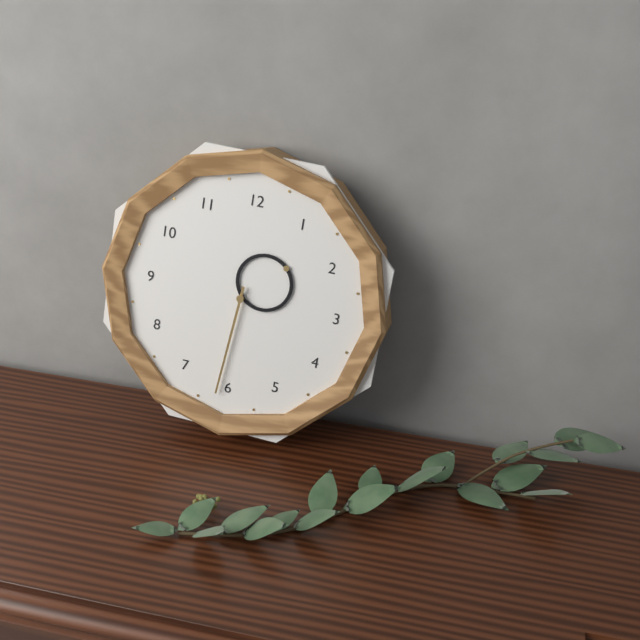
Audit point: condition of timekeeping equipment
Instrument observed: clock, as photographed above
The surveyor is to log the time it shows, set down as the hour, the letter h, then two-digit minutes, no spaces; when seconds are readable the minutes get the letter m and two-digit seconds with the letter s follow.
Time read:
1h31
